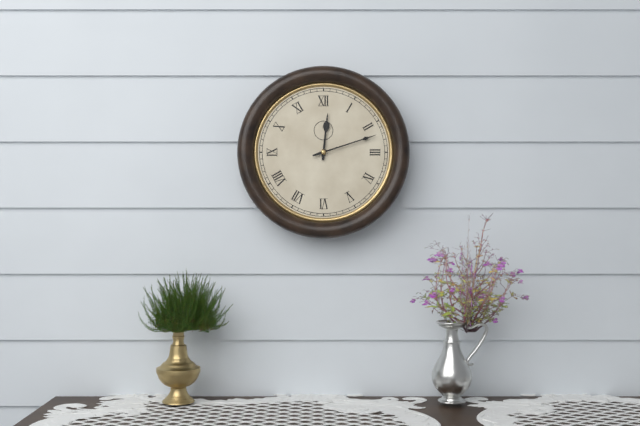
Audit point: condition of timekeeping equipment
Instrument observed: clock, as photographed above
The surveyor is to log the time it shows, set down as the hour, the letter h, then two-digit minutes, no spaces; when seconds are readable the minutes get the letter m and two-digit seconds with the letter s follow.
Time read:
12h12
